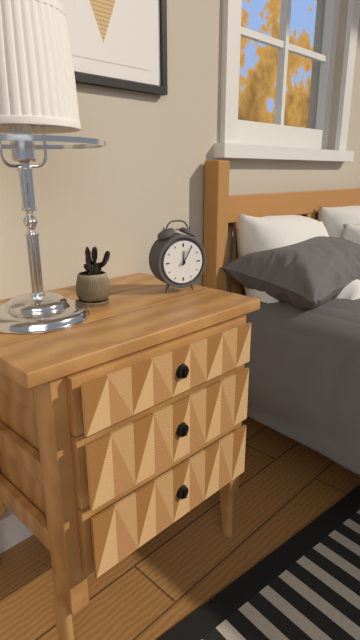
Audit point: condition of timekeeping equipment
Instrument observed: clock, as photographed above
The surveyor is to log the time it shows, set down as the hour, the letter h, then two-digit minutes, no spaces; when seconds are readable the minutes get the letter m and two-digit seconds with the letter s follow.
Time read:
12h05
